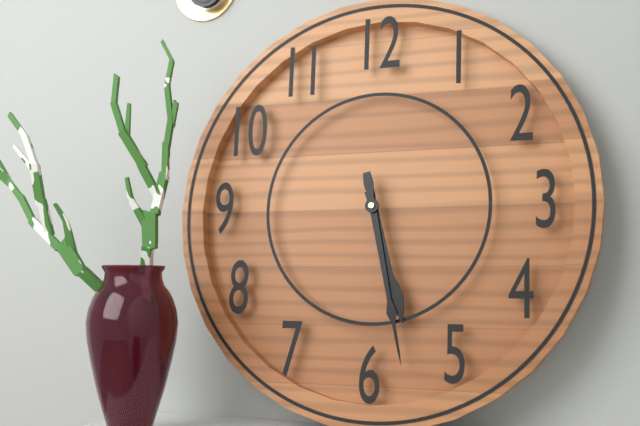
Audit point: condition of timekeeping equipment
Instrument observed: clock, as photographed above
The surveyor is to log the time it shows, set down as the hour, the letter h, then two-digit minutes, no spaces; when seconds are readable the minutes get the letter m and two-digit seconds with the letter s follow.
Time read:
5h28
